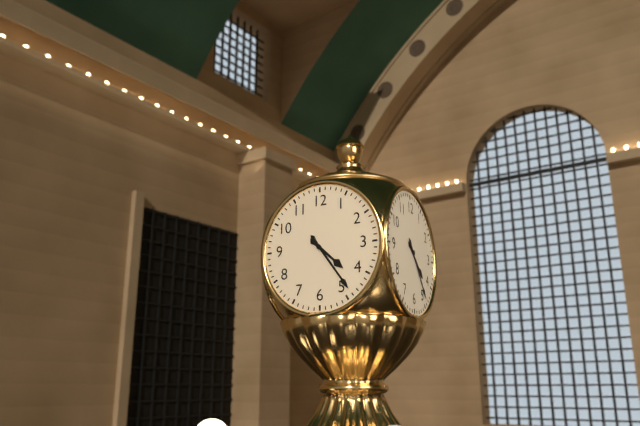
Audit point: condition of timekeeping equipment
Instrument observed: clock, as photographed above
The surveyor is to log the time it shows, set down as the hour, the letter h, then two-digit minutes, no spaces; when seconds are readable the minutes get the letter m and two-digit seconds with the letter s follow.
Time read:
4h24
